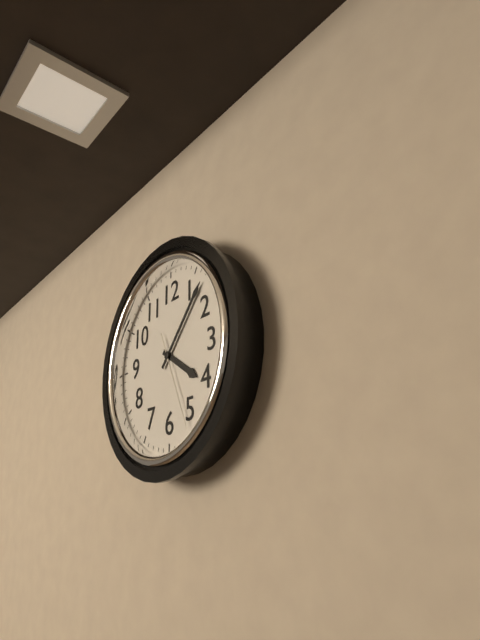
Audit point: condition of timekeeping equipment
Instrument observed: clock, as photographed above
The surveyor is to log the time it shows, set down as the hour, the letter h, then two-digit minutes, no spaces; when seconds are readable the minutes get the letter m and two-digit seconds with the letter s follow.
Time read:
4h07m26s
